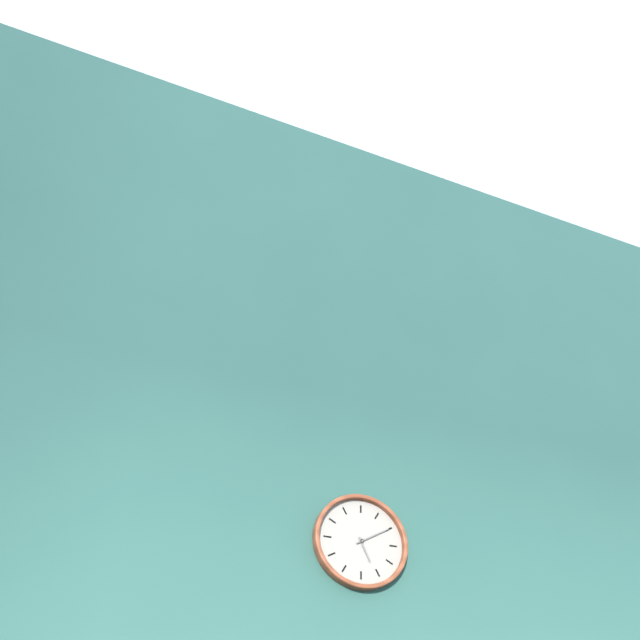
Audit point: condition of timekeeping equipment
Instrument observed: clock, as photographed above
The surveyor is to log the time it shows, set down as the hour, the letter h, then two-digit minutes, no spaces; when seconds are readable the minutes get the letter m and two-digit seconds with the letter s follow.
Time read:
5h10
